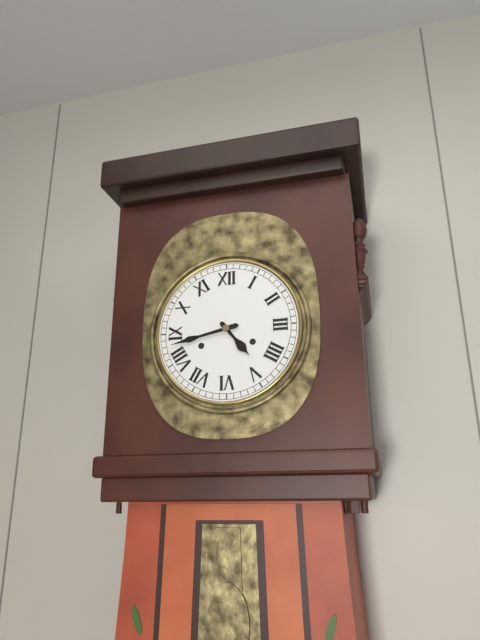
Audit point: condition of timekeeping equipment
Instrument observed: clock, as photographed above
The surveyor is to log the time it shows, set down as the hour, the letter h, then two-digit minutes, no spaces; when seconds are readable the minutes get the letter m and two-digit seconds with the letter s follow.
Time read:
4h43
